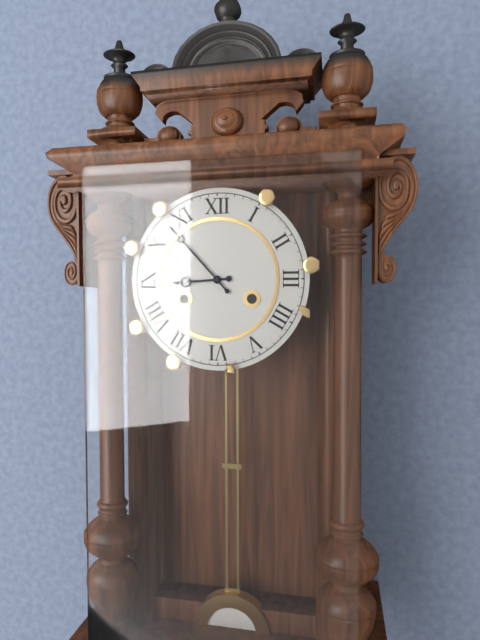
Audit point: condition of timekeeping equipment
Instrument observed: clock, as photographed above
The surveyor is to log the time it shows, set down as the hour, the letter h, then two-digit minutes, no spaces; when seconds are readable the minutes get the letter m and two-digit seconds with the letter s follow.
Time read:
8h53
